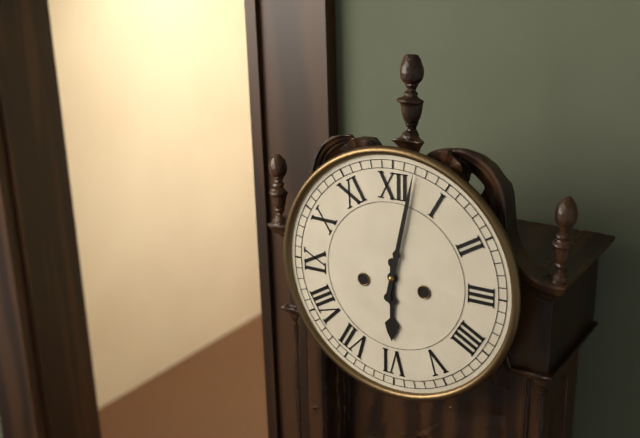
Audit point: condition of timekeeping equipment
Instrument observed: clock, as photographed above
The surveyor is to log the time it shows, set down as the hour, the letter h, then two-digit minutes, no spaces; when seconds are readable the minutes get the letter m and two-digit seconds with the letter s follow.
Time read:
6h02
